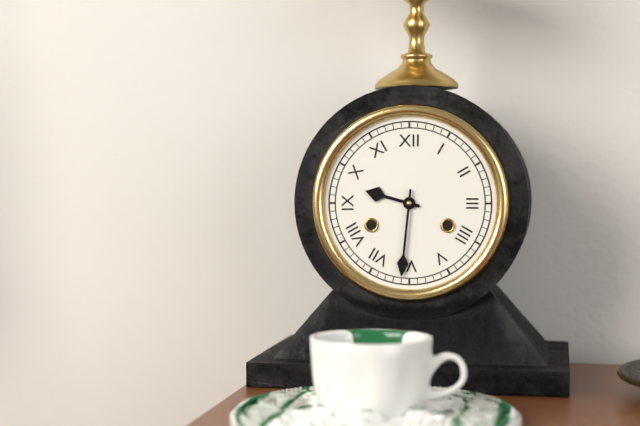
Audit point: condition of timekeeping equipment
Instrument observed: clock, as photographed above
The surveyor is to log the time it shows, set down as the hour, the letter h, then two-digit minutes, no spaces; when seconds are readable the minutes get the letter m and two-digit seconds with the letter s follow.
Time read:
9h31
